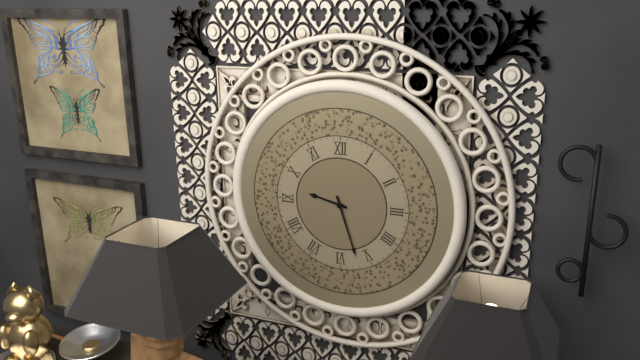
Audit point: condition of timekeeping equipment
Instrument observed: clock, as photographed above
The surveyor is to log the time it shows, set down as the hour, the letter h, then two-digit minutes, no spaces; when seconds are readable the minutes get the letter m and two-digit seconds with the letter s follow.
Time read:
9h27
